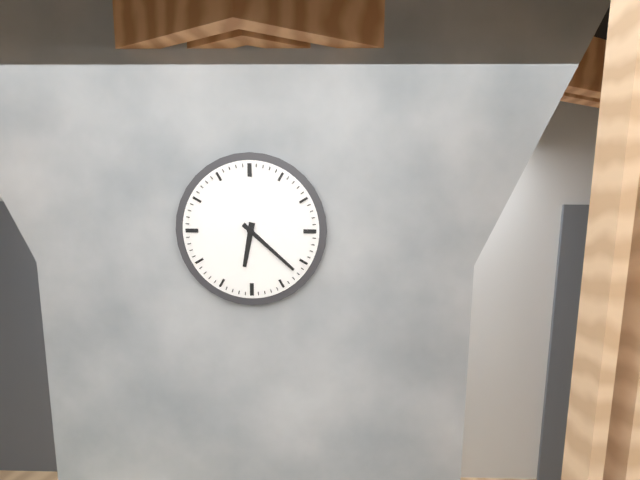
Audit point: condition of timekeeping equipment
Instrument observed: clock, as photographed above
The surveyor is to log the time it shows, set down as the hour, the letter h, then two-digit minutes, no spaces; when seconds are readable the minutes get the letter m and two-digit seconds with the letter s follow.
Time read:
6h22
